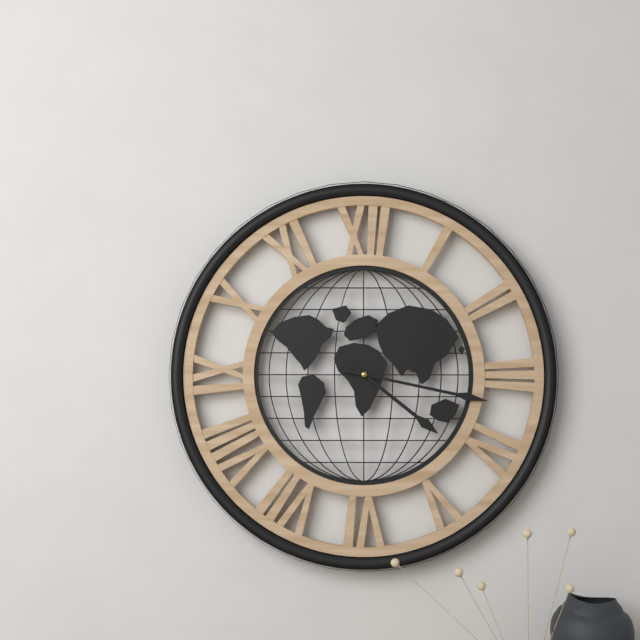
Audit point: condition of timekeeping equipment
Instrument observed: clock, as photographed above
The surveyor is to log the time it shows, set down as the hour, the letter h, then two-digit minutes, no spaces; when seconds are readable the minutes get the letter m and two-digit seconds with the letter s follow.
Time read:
4h17
